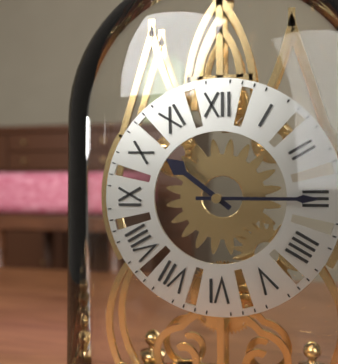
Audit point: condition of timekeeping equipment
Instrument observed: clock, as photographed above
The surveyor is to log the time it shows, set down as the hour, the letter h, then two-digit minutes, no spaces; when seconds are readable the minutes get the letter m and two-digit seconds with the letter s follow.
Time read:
10h15
